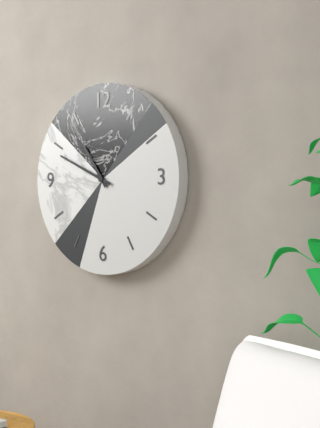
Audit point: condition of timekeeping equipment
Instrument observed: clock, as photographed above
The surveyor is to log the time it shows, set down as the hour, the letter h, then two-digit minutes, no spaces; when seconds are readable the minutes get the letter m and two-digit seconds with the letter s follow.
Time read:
10h49
